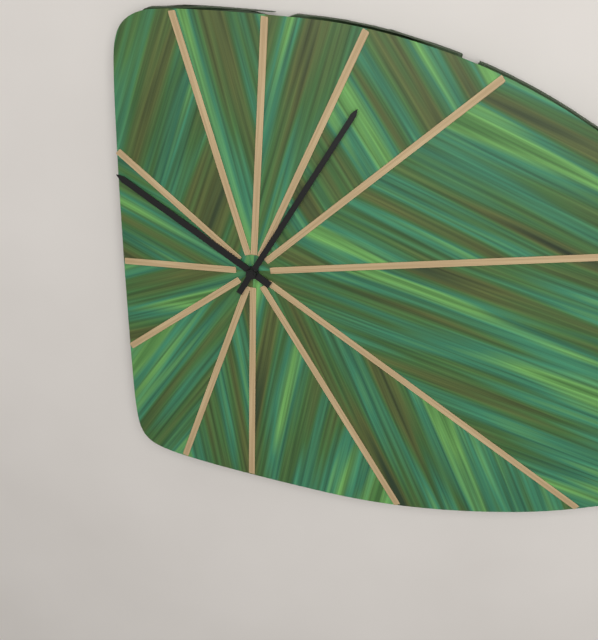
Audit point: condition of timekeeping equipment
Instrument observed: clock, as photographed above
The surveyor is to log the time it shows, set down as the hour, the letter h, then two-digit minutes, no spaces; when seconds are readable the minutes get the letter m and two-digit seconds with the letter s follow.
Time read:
10h05
